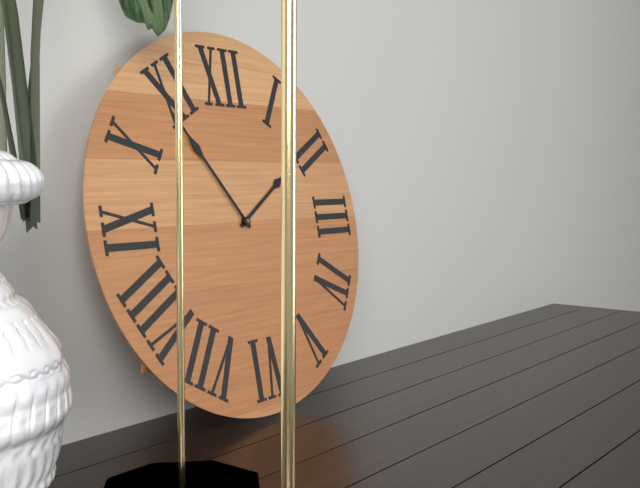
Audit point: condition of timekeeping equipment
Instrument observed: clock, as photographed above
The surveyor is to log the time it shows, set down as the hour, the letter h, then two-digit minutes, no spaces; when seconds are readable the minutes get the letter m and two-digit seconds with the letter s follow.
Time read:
1h54
